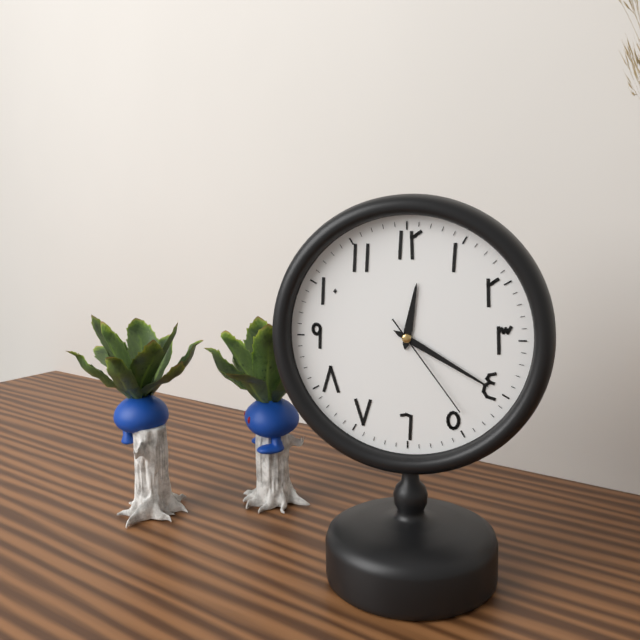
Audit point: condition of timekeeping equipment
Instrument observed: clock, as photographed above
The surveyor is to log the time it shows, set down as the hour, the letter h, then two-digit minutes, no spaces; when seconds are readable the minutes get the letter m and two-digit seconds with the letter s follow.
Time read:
12h20m24s
